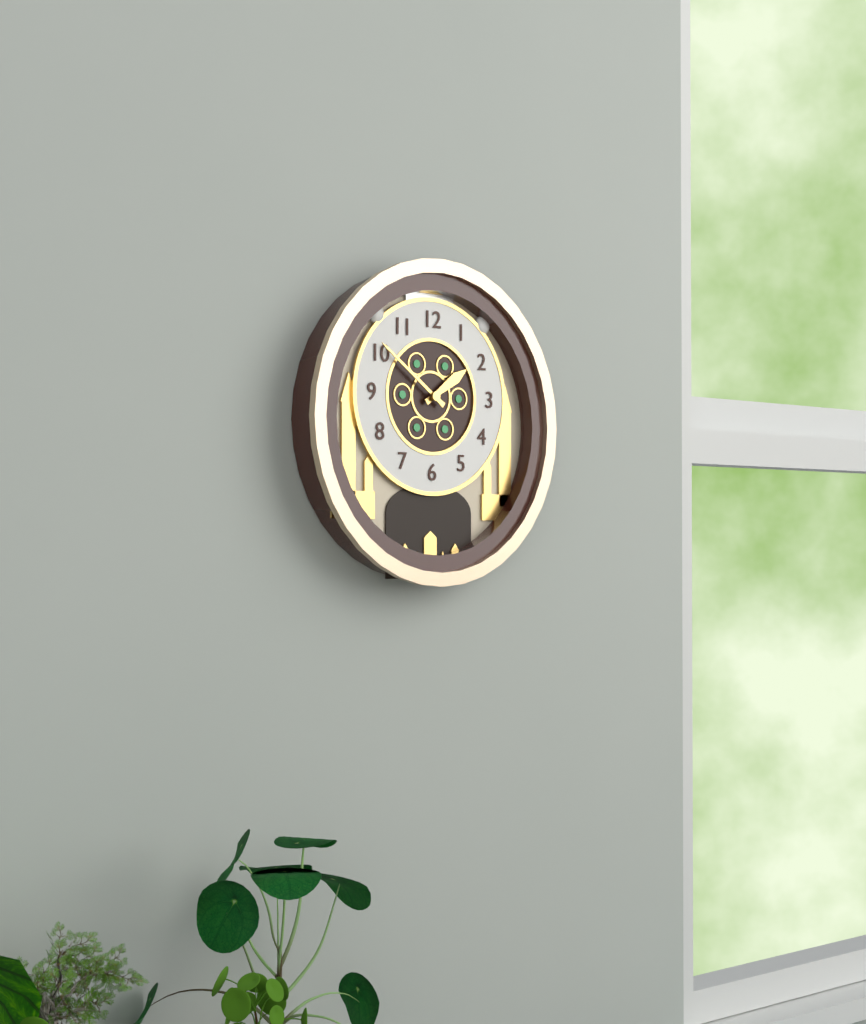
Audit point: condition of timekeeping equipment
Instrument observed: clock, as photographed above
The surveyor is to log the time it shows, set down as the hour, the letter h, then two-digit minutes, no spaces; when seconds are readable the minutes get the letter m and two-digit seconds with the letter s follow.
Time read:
1h51
